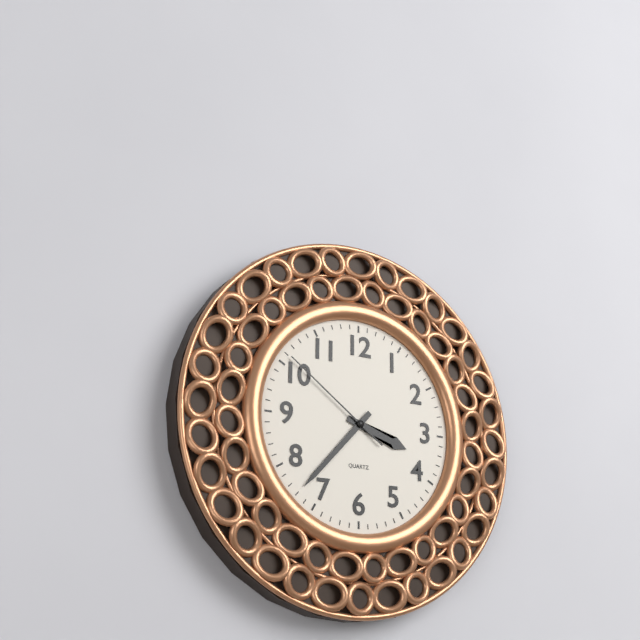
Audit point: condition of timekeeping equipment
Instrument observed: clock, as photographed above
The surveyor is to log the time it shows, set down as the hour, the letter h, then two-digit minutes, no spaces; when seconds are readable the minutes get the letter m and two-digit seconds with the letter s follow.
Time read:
3h37m51s
